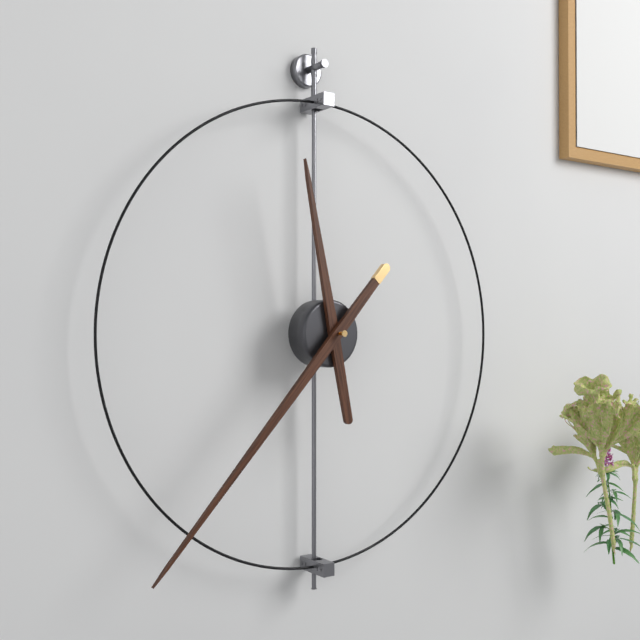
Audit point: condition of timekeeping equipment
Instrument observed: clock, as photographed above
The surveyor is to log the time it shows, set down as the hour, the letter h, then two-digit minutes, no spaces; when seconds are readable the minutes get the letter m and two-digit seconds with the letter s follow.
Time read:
11h37
